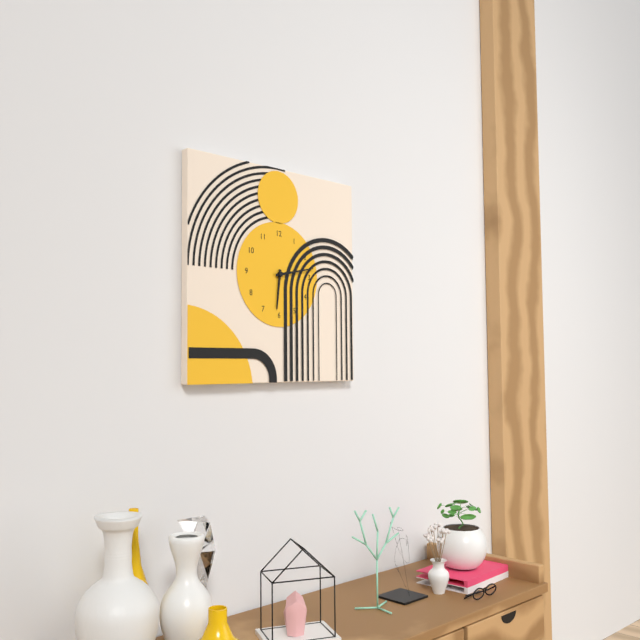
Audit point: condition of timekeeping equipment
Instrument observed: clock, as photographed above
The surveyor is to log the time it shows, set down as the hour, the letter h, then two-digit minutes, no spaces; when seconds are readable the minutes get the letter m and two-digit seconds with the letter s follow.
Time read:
6h13
